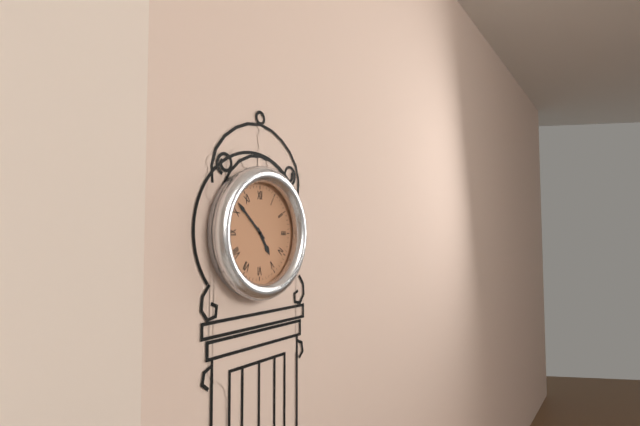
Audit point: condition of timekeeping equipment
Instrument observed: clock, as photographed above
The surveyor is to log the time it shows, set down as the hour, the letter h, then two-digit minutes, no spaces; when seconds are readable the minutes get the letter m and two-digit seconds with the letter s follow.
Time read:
4h52
